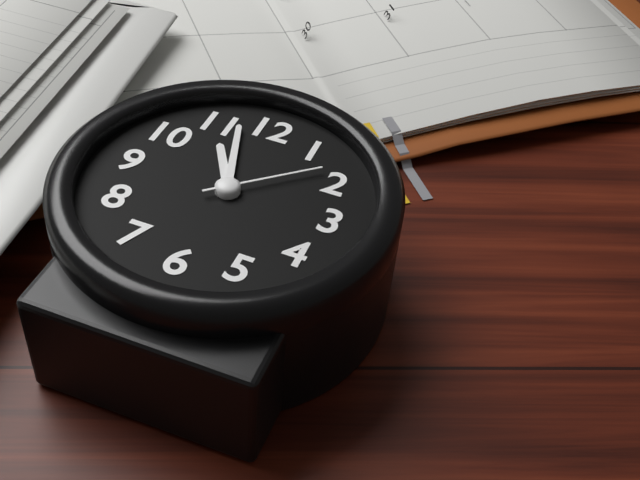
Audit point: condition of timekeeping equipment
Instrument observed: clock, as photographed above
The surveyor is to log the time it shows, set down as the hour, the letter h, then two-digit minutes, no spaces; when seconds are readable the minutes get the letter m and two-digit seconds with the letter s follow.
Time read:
10h57m08s
